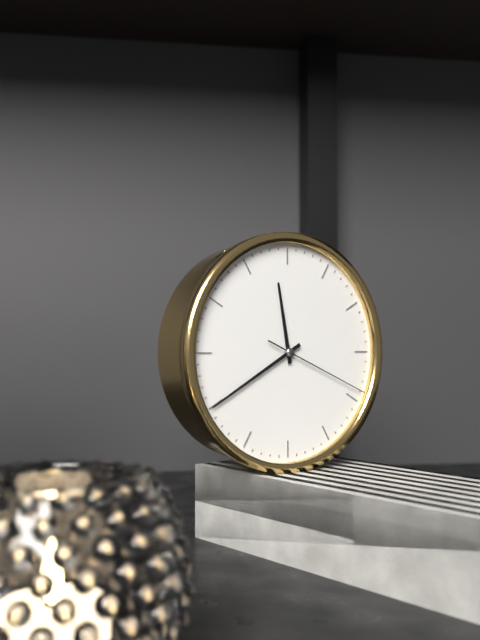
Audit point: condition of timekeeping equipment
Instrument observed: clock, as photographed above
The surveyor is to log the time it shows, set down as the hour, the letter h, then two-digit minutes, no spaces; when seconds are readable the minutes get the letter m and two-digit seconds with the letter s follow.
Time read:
11h40m19s
